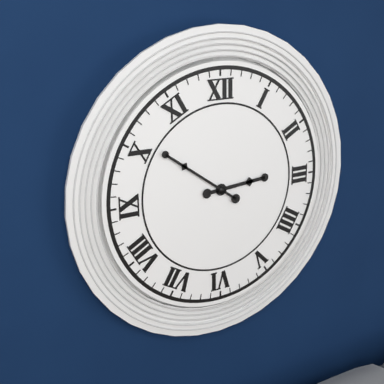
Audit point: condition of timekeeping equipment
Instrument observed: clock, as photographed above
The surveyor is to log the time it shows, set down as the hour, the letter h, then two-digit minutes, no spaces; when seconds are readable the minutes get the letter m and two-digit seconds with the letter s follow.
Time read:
2h51
